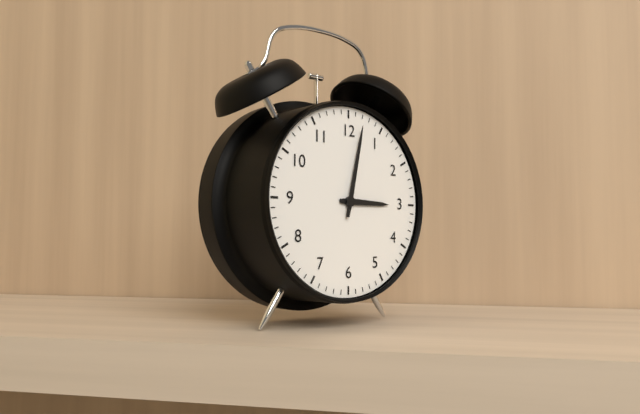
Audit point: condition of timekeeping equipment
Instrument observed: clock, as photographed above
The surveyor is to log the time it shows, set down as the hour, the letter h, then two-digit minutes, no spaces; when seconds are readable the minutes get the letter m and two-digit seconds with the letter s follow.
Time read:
3h02
